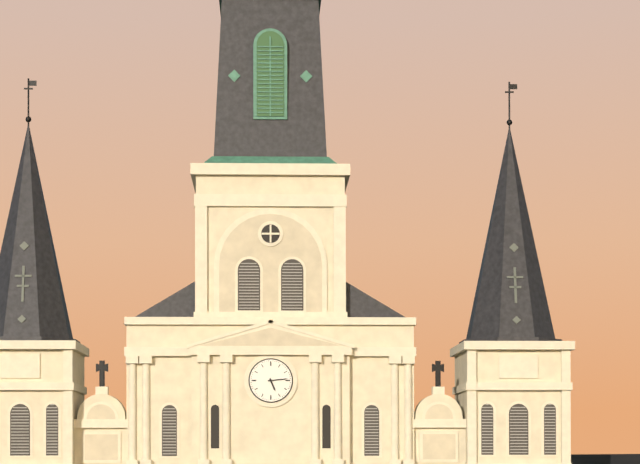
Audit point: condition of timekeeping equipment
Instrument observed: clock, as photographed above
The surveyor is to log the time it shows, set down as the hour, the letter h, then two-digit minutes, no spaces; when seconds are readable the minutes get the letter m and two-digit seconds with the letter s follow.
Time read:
5h14
